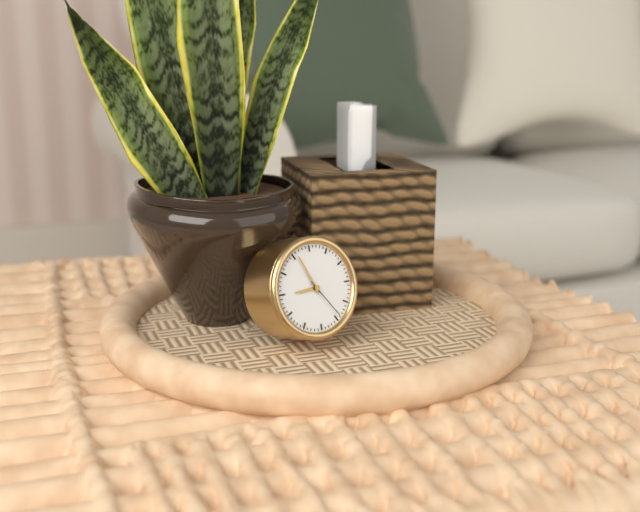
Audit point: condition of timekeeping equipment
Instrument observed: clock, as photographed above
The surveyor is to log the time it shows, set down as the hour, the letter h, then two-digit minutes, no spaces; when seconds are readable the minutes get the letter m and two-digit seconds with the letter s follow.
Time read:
8h56
